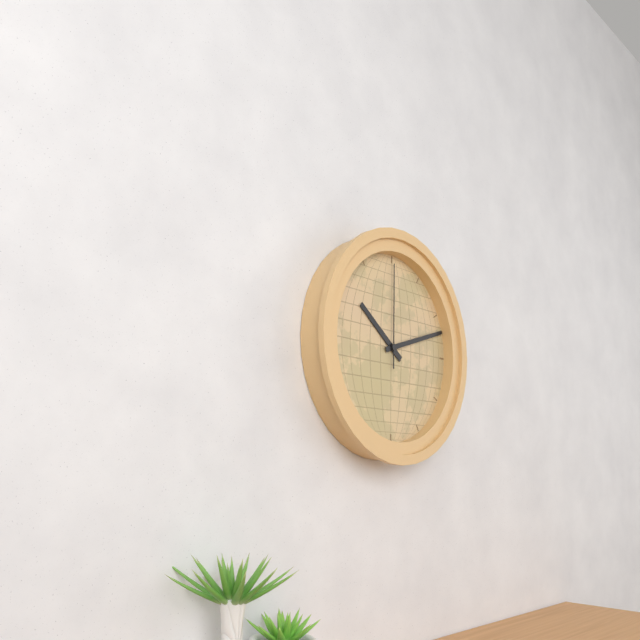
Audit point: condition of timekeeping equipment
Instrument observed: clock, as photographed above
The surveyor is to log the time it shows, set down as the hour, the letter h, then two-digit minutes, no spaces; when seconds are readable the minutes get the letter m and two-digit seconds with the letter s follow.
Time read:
10h12m00s
